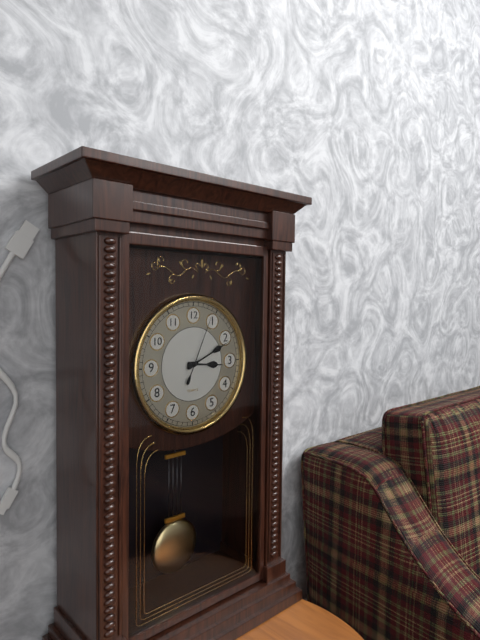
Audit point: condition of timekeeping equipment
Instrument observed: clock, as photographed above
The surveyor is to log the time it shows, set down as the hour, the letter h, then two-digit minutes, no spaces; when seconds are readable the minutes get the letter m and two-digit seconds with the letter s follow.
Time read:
3h11m04s
